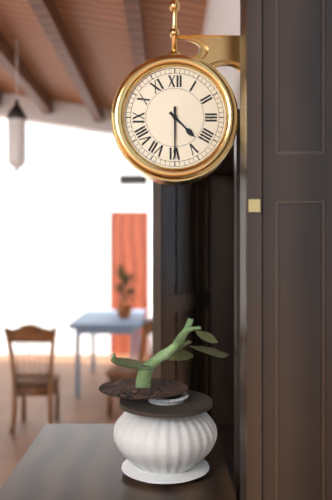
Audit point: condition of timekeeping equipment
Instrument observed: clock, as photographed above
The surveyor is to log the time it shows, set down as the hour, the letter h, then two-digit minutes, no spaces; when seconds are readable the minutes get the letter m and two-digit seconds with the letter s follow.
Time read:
4h30
